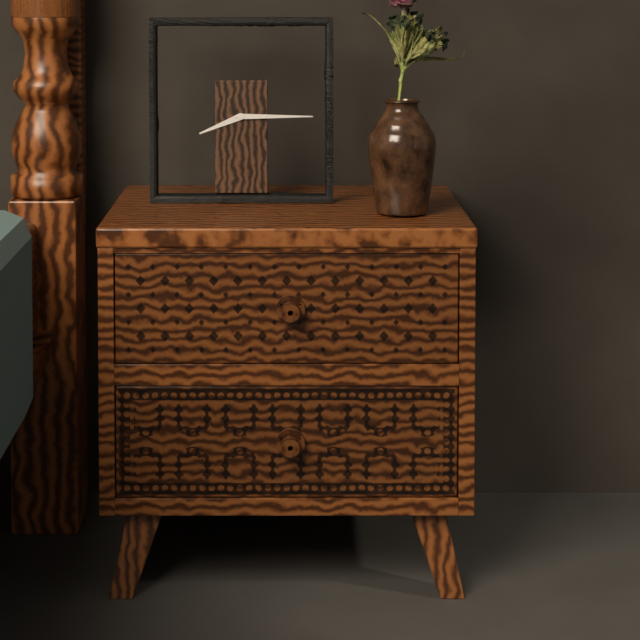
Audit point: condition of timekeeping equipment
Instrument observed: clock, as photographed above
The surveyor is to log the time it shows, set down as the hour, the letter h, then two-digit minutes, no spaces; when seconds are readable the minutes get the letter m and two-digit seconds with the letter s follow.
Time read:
8h15
